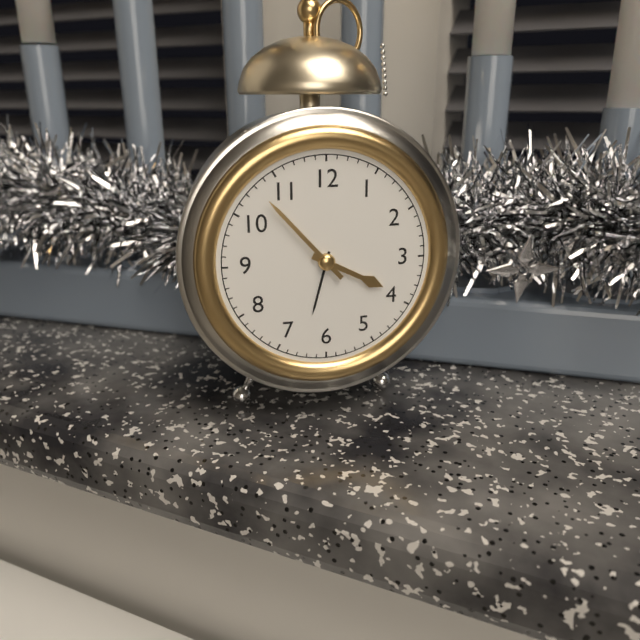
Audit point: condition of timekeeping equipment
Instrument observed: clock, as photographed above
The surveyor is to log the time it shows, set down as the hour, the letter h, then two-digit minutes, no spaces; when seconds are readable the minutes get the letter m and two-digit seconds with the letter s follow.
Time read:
3h53
